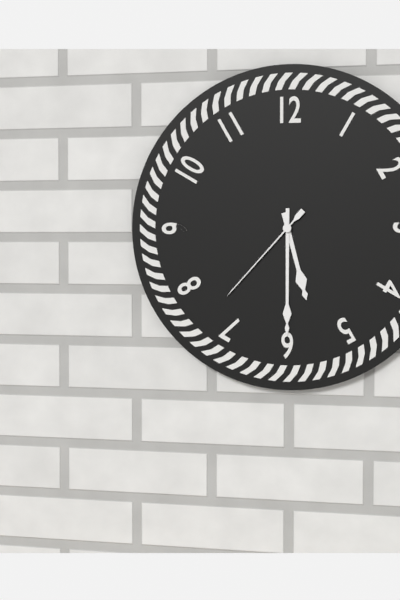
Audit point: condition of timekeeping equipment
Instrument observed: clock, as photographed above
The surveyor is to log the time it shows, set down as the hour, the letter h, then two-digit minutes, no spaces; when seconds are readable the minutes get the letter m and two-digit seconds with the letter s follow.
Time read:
5h30m37s
